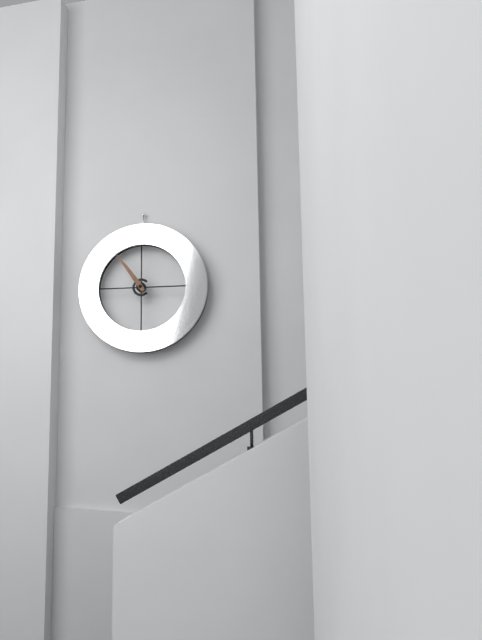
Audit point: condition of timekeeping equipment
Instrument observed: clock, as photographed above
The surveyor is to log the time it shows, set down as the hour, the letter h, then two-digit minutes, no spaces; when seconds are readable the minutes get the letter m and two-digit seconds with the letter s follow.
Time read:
10h54
